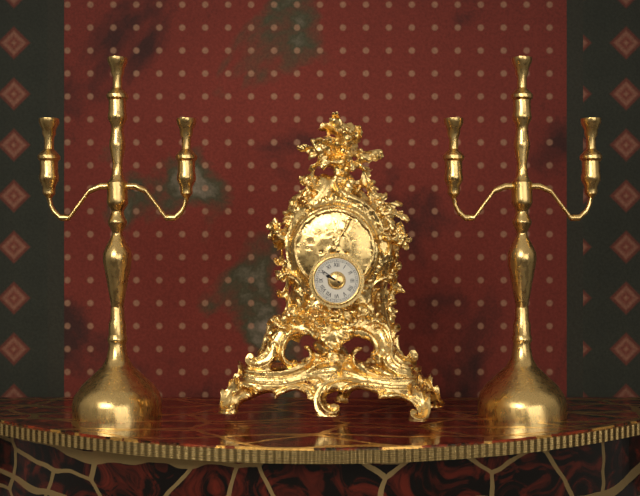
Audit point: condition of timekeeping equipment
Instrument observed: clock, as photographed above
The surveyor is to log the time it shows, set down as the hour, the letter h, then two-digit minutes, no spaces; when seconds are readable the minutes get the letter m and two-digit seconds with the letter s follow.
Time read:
9h51
